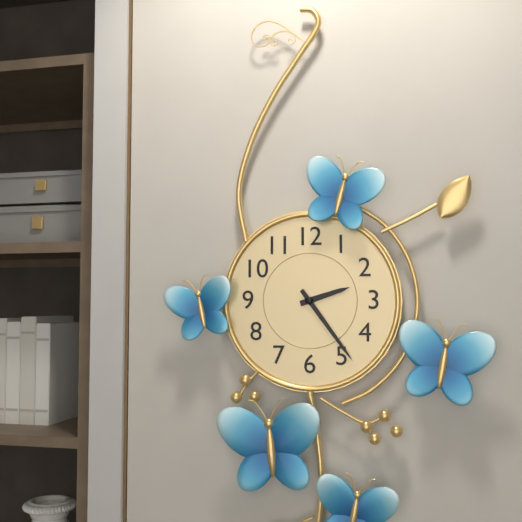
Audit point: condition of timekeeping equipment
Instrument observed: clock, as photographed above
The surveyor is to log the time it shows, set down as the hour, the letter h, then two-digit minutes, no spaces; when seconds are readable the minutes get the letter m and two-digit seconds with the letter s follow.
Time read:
2h24
